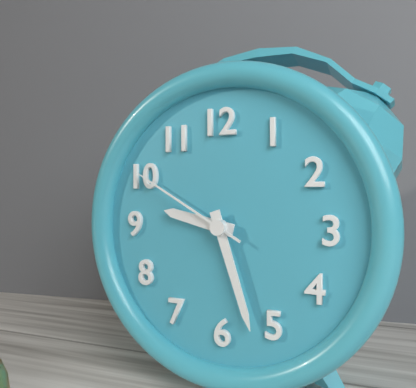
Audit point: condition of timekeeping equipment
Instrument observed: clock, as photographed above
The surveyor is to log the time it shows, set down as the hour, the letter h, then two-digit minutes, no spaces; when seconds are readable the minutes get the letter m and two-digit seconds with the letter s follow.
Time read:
9h27m50s
